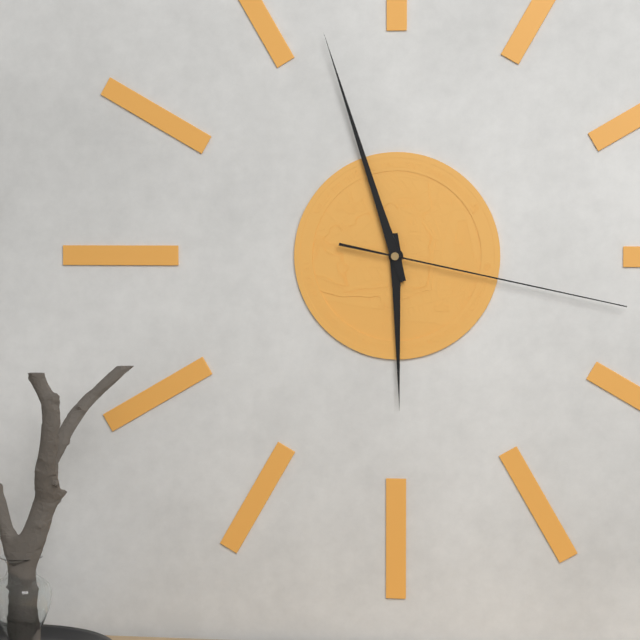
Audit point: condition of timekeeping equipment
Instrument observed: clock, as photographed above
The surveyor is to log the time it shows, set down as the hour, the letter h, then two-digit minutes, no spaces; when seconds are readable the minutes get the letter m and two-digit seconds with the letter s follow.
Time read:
5h57m17s
